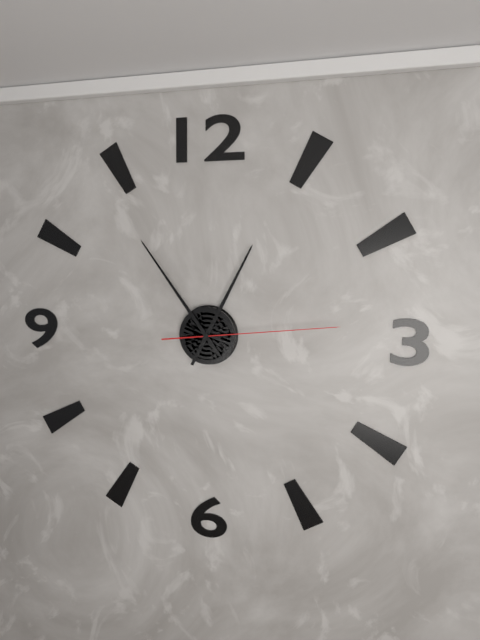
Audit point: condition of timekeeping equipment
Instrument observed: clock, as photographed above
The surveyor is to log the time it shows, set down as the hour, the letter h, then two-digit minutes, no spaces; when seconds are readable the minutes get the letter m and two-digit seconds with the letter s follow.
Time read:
12h54m14s
